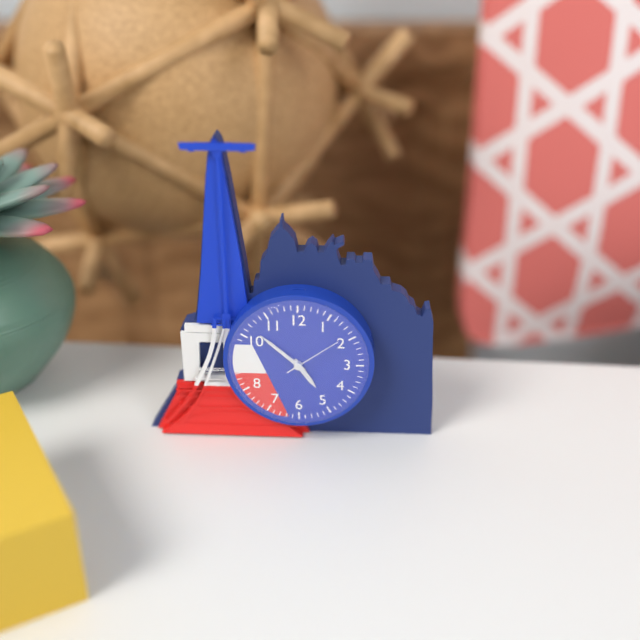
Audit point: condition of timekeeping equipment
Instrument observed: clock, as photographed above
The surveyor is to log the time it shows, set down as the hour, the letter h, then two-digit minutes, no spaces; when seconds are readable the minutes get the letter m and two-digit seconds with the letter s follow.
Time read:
4h52m09s
